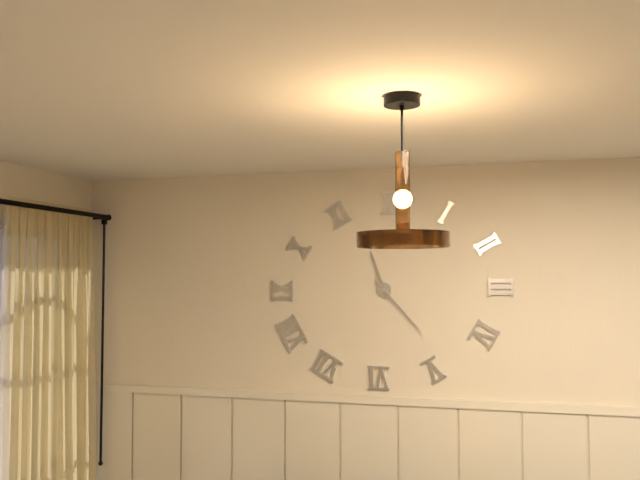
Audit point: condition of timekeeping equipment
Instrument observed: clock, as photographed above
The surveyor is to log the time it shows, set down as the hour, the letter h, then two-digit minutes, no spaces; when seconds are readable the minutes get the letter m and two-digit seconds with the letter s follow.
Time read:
11h23
